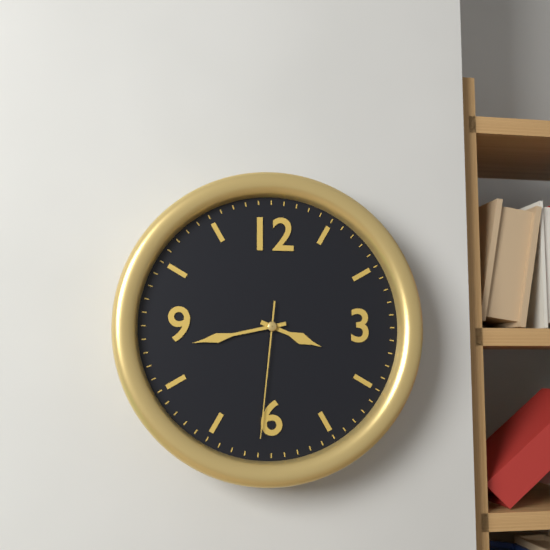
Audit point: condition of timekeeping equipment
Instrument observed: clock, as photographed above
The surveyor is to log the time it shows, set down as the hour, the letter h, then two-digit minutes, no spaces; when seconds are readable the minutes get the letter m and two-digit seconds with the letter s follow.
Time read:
3h43m31s
